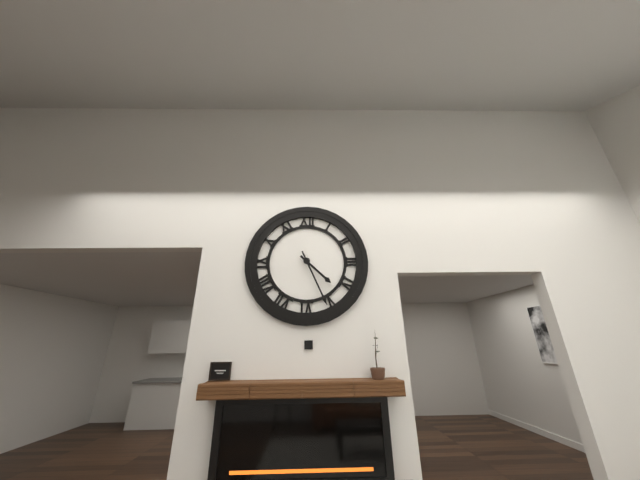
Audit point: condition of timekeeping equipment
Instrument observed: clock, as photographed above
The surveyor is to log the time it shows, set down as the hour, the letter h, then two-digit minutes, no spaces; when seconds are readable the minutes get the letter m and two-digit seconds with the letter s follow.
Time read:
4h26
